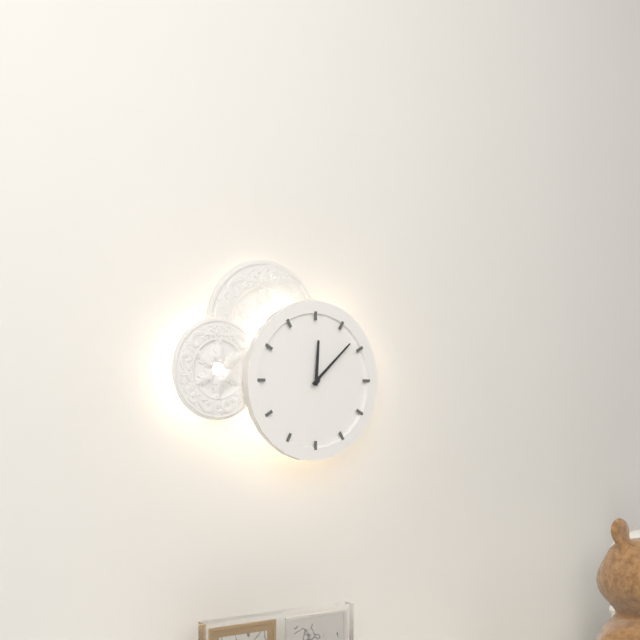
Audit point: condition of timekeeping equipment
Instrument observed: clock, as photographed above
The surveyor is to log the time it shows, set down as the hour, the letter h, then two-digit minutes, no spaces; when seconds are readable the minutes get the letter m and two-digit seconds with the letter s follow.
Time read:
12h08
